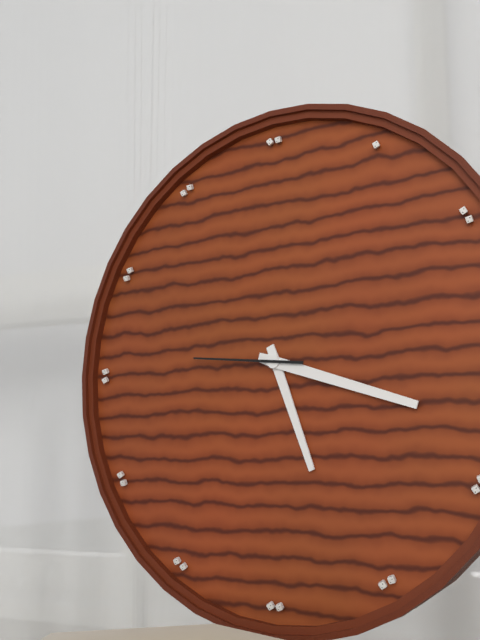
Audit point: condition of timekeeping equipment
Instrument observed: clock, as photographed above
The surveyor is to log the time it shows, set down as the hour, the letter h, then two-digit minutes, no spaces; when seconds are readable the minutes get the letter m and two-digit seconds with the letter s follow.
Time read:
5h18m46s
